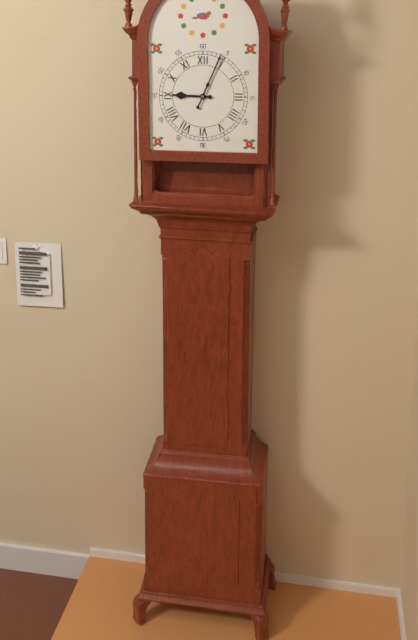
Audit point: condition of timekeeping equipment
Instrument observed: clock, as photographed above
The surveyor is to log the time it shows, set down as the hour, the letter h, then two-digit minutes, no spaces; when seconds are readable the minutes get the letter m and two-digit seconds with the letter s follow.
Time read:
9h04
